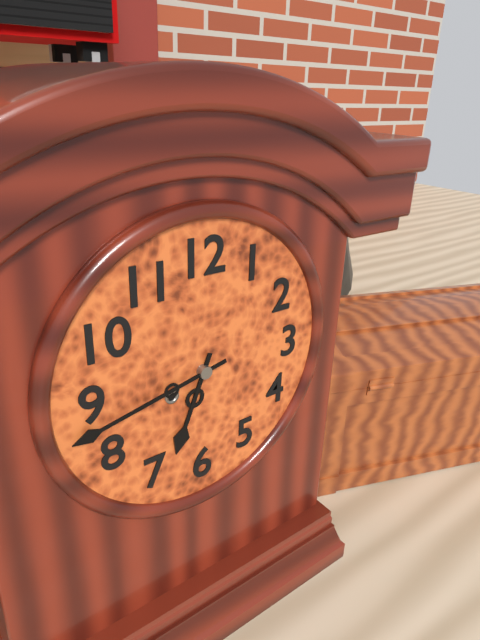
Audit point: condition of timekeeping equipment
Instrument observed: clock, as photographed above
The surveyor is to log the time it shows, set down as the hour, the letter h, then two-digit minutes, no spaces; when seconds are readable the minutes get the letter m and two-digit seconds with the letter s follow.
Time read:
6h43
